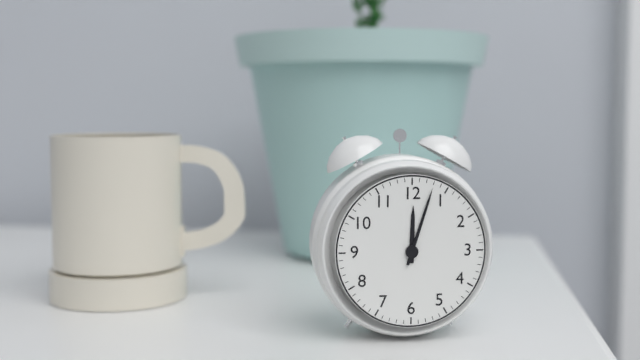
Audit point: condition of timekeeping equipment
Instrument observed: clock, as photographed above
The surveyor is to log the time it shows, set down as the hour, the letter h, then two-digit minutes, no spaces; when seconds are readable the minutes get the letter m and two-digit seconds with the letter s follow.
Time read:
12h03
